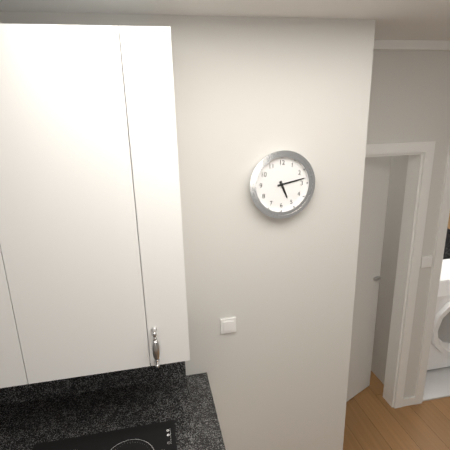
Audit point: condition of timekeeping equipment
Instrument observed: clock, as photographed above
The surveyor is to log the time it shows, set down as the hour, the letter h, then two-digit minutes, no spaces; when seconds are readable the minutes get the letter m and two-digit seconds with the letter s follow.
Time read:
5h13
